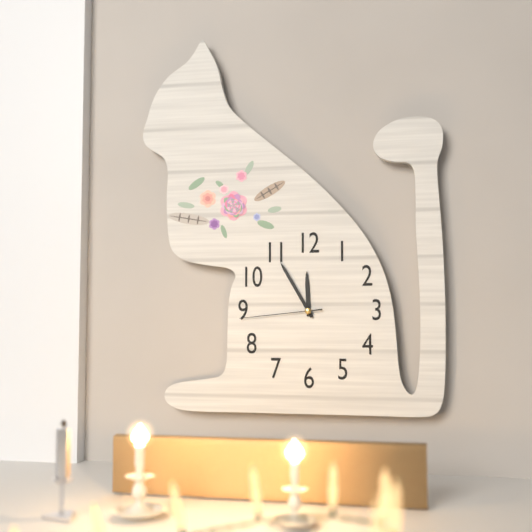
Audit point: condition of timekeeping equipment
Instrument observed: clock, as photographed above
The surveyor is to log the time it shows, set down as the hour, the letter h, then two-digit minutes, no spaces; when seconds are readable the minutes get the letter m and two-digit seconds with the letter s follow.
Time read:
11h55m44s
